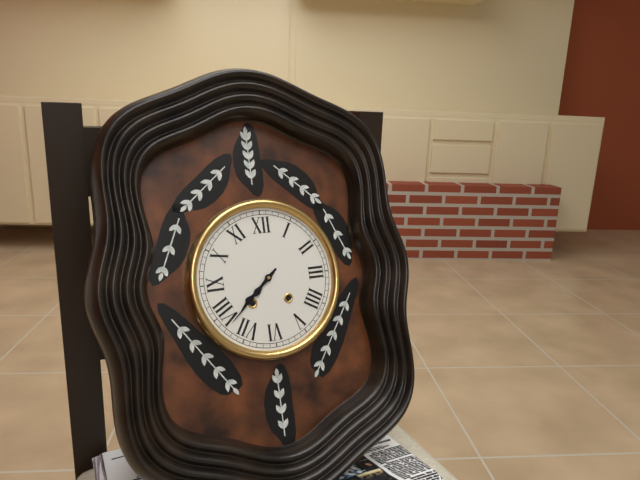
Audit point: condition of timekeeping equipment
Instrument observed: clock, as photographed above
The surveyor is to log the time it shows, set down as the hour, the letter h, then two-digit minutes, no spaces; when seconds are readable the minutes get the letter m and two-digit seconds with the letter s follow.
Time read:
7h38
